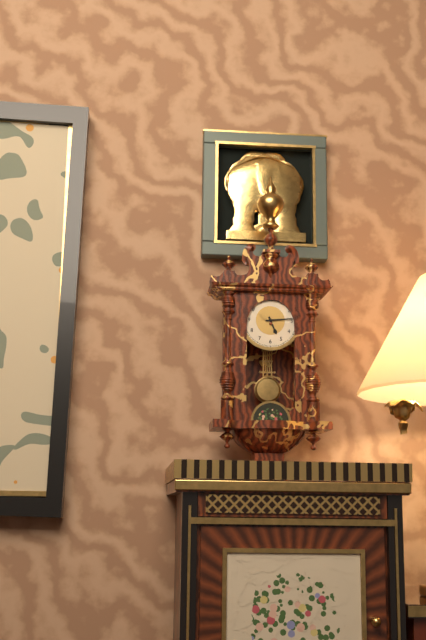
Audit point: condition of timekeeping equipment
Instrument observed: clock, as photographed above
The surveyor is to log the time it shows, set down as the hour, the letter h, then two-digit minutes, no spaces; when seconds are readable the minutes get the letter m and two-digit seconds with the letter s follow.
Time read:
5h14
